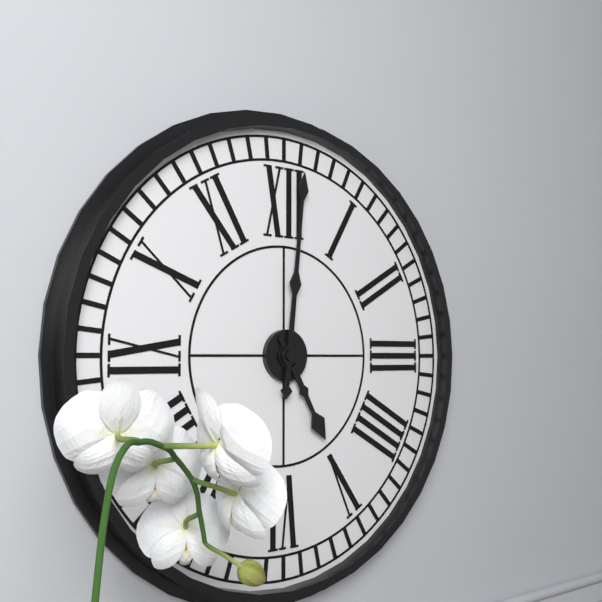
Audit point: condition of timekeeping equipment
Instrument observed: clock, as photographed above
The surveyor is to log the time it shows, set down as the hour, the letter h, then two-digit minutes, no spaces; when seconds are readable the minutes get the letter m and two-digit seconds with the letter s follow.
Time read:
5h01
